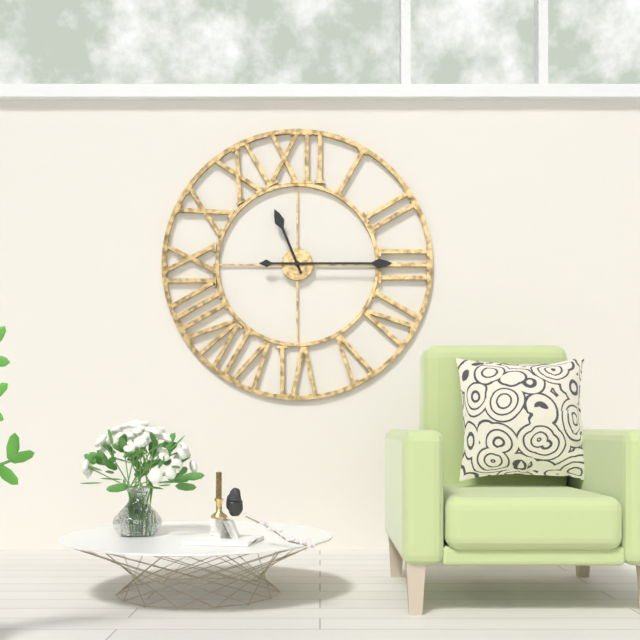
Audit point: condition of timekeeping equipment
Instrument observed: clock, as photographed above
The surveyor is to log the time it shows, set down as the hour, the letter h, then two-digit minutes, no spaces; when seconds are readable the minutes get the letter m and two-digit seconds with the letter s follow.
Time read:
11h15
